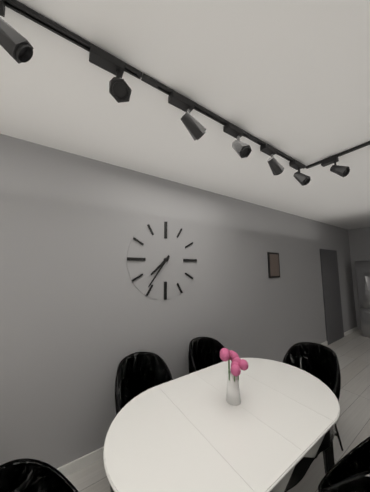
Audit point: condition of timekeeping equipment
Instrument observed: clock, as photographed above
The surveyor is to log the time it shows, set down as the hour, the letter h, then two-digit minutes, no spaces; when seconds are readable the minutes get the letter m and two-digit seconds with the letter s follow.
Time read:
7h36
